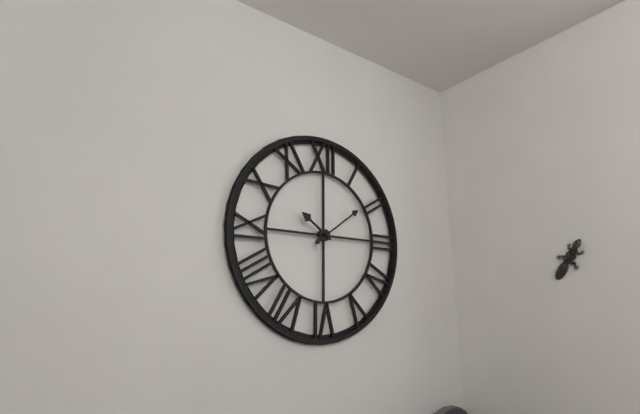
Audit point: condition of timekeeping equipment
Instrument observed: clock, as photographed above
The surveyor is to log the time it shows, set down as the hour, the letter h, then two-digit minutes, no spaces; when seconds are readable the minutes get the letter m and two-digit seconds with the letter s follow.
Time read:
10h09
